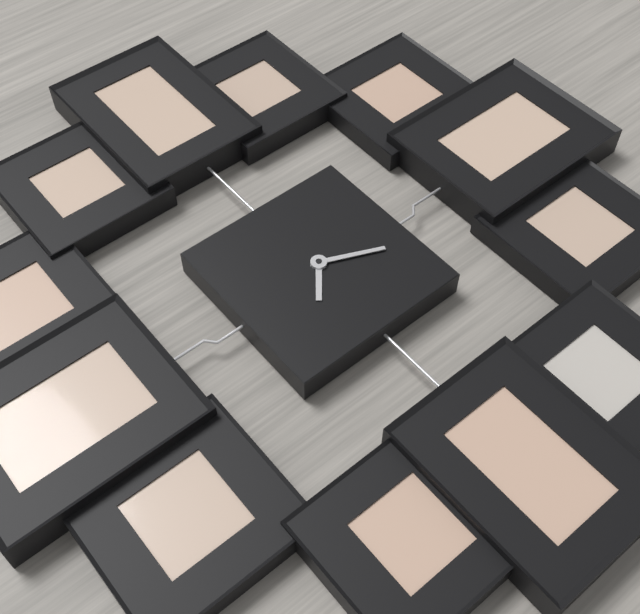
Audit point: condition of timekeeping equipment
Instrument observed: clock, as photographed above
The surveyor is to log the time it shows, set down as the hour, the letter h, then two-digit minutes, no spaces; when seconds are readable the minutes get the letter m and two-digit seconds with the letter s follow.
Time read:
7h19
